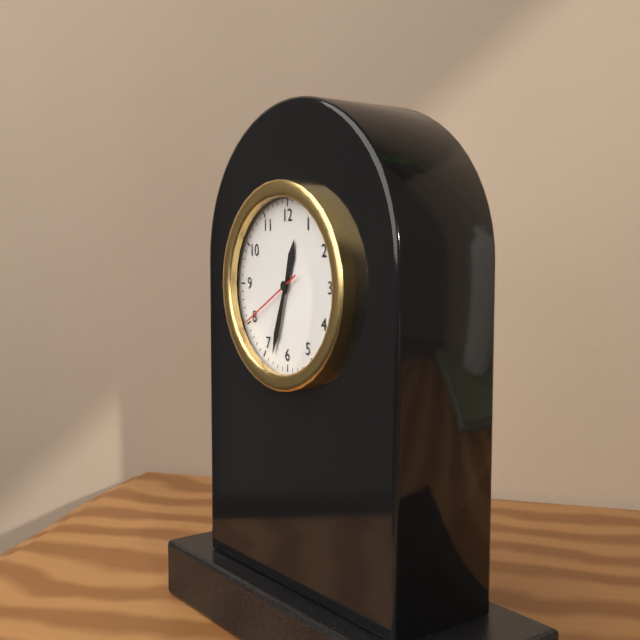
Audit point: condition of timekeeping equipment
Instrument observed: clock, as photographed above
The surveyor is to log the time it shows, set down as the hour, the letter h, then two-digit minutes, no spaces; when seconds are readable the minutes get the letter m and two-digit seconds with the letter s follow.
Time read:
12h33m40s
